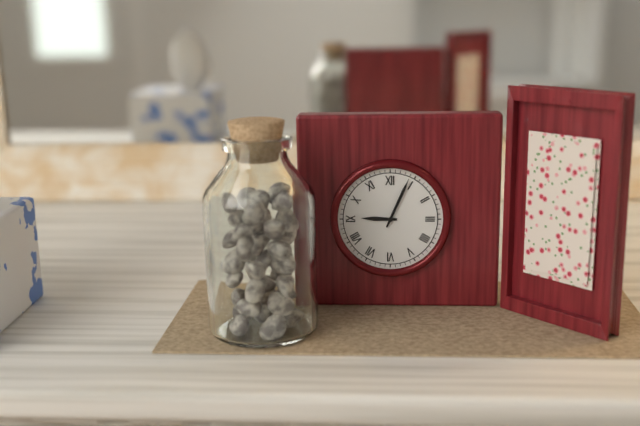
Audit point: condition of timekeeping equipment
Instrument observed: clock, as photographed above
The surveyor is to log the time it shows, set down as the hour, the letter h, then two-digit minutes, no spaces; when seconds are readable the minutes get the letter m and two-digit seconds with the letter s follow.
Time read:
9h04
